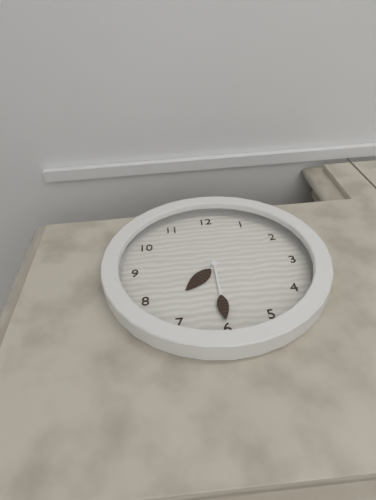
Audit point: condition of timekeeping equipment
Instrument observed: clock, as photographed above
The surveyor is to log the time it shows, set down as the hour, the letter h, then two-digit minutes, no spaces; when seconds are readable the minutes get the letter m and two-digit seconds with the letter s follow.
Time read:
7h30
